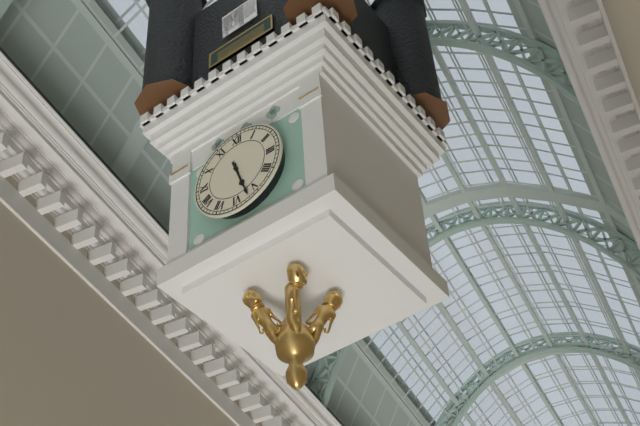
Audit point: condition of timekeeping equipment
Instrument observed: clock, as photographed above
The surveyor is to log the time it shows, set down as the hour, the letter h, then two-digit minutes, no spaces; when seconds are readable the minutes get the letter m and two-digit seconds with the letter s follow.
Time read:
5h27
